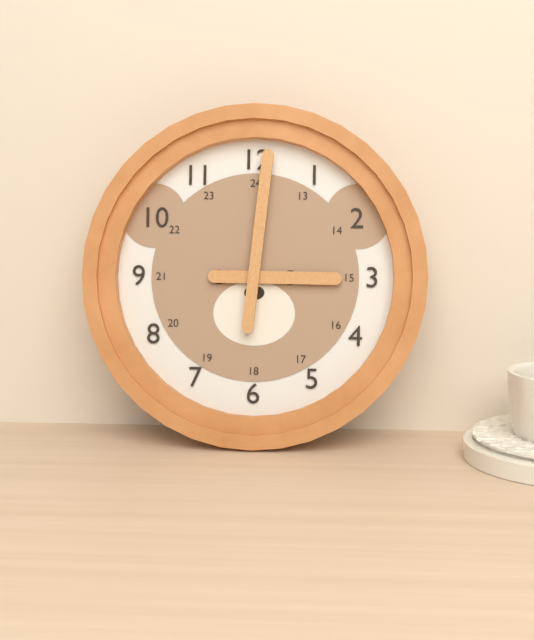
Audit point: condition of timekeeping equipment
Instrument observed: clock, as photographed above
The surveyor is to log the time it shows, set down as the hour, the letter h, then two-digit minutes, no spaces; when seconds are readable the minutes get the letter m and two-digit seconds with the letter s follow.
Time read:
3h01
